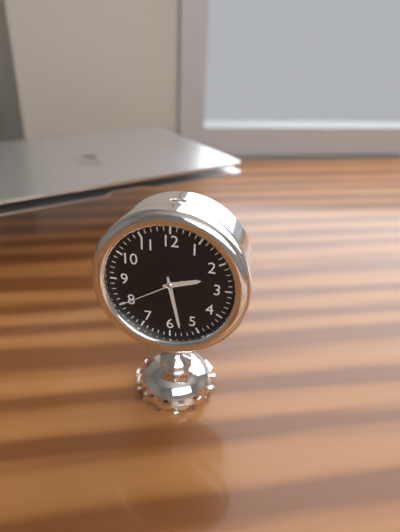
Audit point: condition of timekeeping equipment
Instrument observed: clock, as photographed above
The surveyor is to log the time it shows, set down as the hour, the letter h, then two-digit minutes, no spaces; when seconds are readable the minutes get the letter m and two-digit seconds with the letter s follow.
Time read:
2h28m40s
